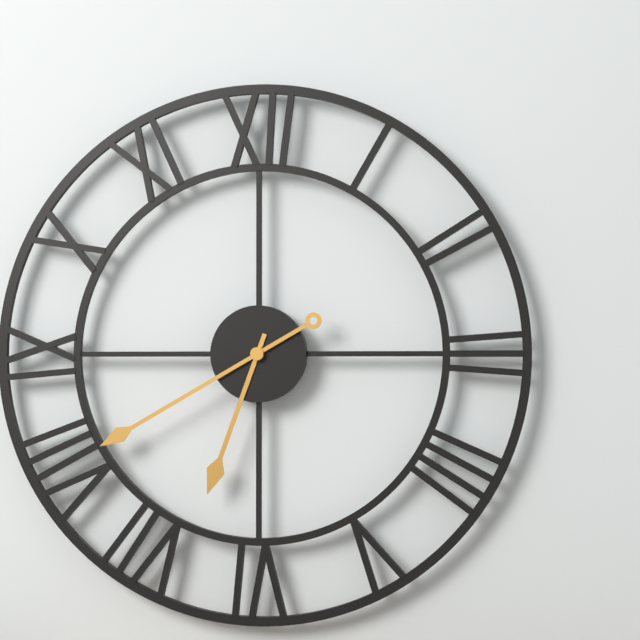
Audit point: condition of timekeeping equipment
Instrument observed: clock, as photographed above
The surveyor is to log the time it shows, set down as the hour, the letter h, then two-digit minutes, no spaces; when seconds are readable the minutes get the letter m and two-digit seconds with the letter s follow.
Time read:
6h40
